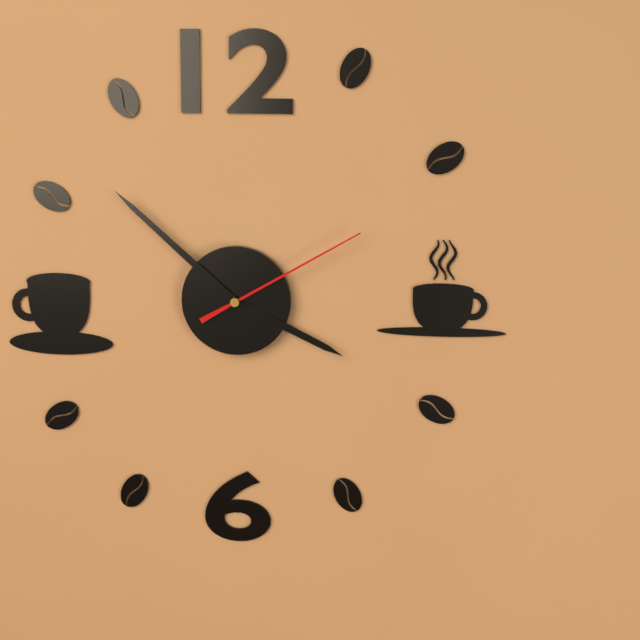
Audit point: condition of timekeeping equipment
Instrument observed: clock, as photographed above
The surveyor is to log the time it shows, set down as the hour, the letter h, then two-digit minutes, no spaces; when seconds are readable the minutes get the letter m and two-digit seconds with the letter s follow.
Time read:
3h52m10s
